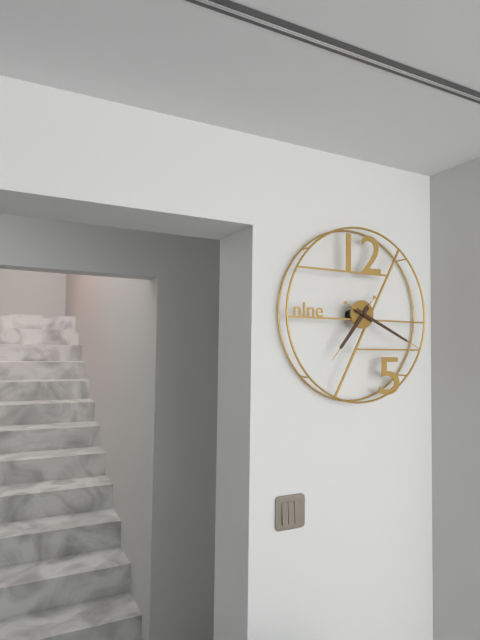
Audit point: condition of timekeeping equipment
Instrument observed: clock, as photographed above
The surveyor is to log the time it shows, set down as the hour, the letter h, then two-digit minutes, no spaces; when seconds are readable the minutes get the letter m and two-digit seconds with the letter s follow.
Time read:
7h19
